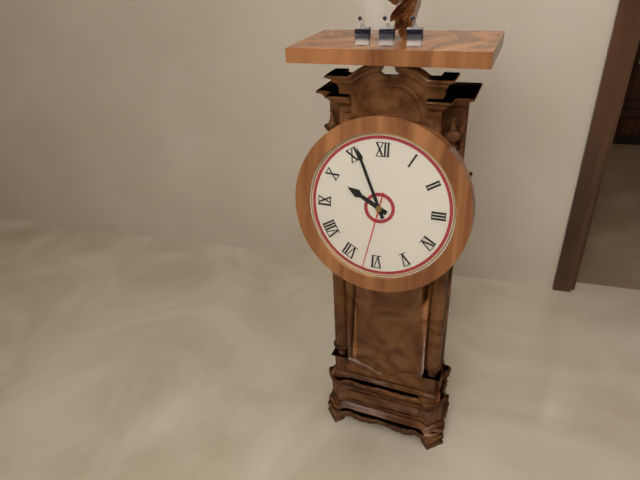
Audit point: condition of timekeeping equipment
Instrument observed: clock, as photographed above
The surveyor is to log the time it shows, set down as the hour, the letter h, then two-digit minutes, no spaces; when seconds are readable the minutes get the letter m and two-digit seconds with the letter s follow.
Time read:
9h56m32s
